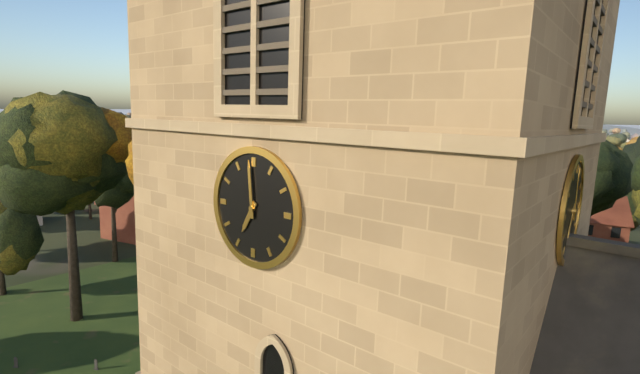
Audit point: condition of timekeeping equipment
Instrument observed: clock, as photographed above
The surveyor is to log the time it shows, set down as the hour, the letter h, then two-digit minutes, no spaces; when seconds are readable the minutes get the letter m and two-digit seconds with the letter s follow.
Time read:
6h59
